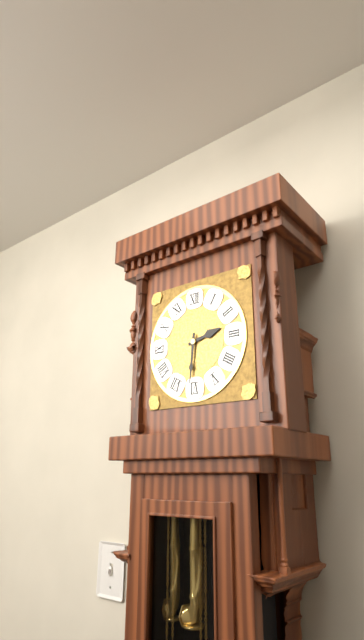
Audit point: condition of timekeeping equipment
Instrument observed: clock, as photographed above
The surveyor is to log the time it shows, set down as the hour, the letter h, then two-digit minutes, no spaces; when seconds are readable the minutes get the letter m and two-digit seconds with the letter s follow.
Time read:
2h31
